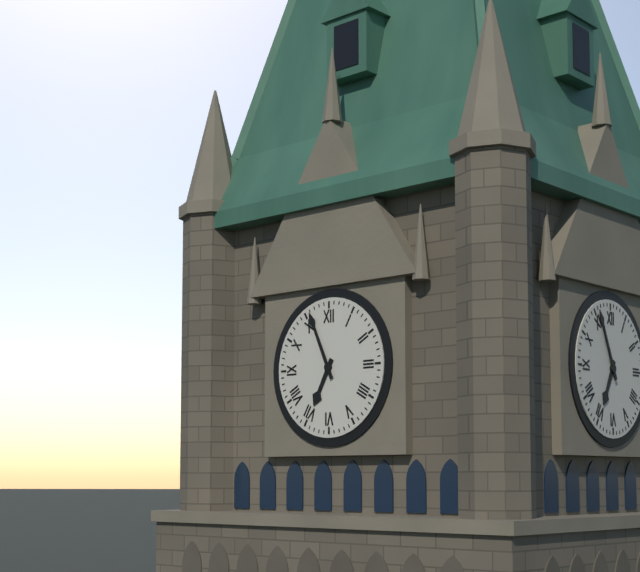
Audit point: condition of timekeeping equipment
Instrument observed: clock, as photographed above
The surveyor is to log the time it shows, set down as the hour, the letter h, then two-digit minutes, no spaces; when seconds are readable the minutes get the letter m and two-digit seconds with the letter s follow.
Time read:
6h56
